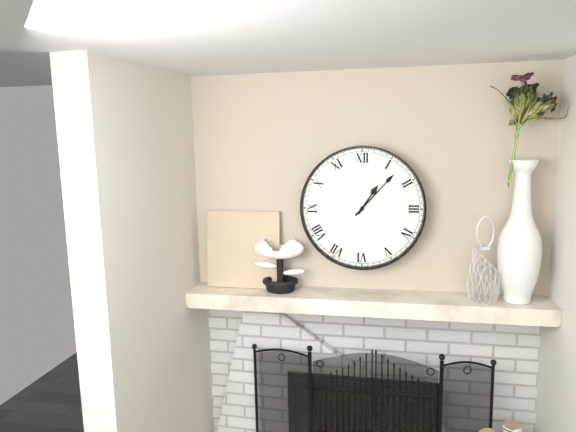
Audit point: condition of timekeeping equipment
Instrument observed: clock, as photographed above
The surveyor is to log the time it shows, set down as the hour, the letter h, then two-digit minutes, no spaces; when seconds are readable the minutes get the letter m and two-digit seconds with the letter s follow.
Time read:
1h07
